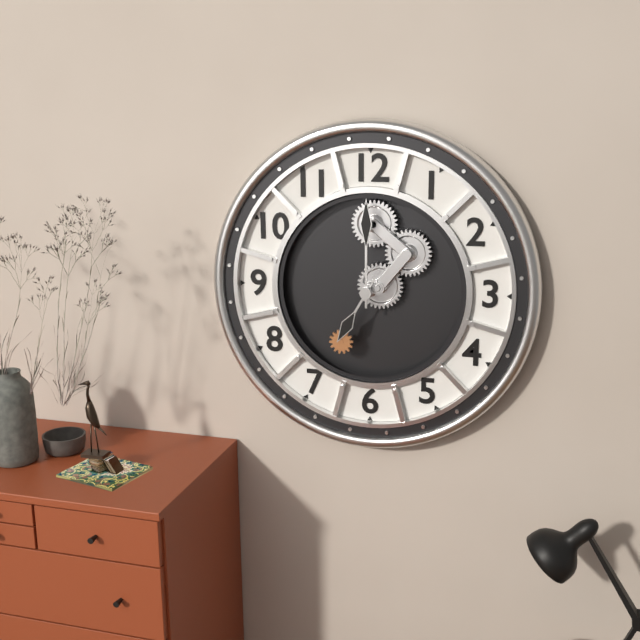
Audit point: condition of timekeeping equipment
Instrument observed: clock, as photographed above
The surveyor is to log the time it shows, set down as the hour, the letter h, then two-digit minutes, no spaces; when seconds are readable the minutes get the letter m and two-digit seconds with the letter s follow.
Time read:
7h00
